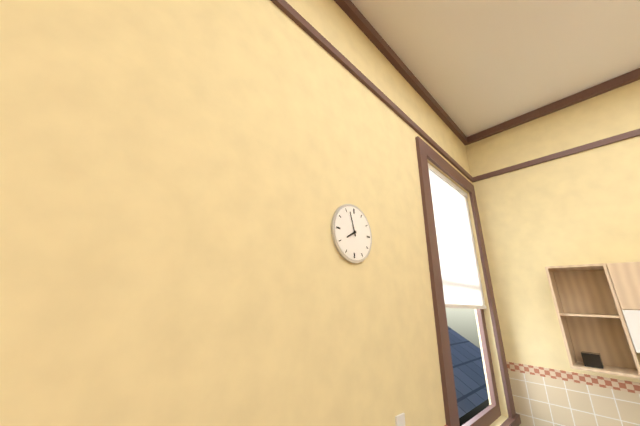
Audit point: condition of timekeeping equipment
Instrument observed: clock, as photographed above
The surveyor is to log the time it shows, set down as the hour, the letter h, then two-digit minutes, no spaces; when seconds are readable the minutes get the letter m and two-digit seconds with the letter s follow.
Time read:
7h57
